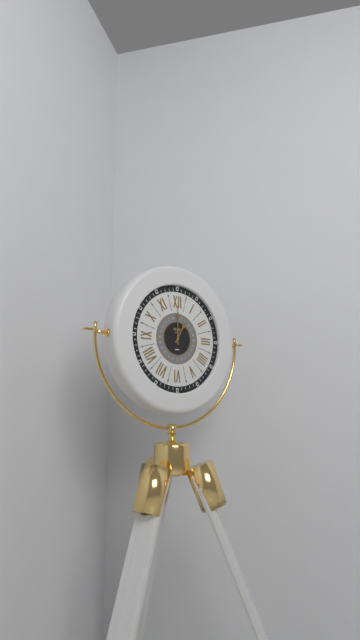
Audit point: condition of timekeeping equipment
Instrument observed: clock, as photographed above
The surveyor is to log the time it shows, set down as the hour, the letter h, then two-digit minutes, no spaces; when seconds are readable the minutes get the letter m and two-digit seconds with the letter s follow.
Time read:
1h00
